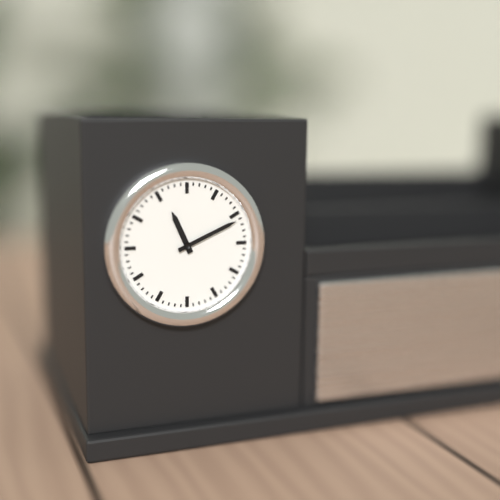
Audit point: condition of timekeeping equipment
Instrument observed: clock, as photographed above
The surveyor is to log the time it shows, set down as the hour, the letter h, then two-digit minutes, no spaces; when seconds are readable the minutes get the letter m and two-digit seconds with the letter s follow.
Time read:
11h11
